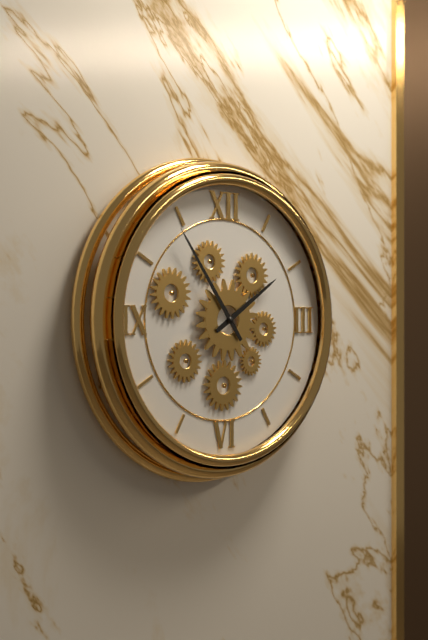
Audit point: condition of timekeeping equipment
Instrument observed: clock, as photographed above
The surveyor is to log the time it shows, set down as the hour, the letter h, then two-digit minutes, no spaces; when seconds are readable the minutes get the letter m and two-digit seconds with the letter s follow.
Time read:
1h54
